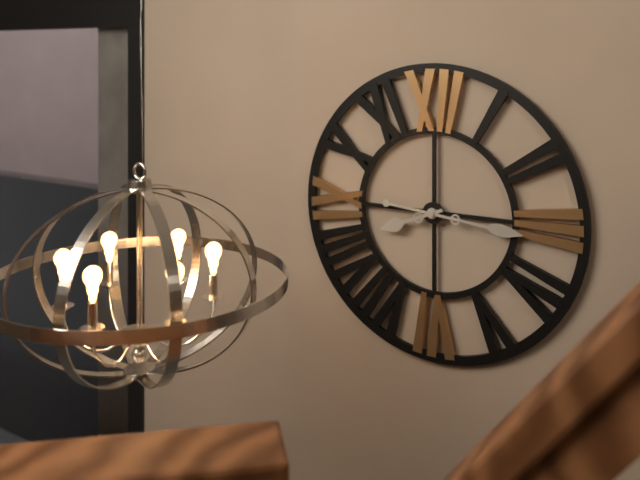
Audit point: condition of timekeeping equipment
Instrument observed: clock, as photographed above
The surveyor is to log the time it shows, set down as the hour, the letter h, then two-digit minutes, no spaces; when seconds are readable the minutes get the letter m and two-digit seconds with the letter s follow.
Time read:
8h16
